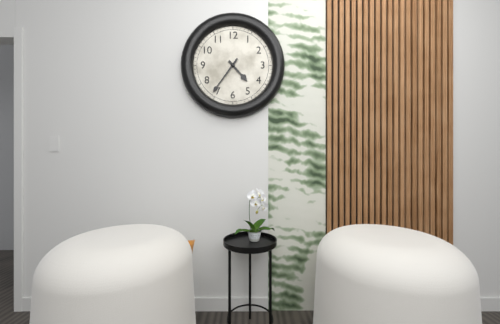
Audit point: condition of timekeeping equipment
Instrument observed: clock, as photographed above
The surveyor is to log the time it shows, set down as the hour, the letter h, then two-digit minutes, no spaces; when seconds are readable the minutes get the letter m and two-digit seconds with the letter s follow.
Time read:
4h36
